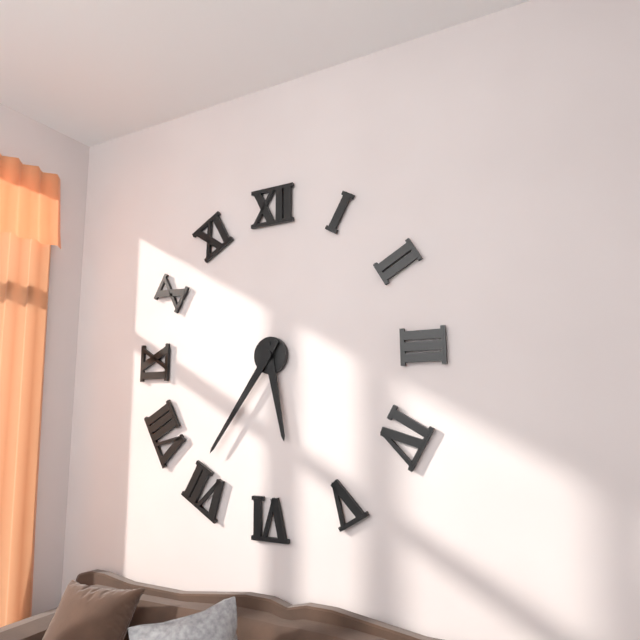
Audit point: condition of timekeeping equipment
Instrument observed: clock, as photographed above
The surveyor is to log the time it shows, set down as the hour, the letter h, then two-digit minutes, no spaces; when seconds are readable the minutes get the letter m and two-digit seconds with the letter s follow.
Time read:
5h36
